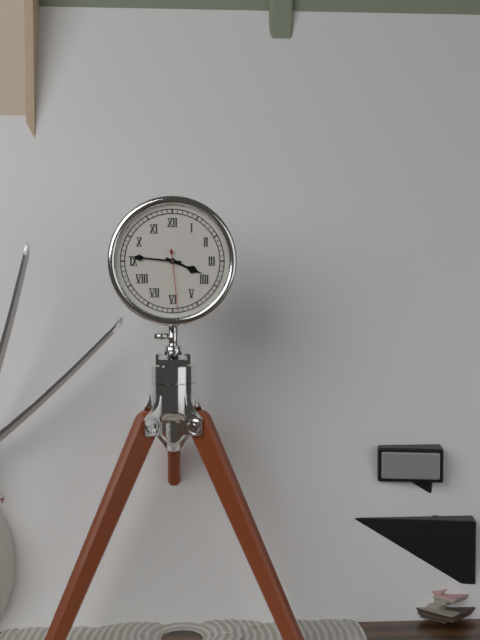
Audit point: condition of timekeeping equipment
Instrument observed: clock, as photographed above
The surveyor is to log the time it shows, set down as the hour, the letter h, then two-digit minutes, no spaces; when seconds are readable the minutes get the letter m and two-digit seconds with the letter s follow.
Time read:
3h46m29s
